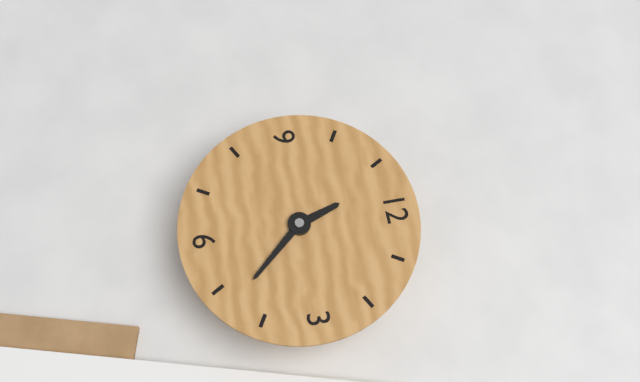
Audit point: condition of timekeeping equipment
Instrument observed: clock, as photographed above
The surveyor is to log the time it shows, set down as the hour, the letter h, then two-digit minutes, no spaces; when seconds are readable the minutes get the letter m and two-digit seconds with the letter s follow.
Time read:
11h23
